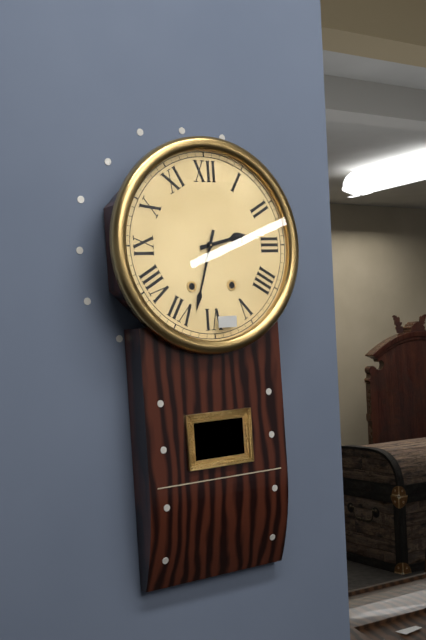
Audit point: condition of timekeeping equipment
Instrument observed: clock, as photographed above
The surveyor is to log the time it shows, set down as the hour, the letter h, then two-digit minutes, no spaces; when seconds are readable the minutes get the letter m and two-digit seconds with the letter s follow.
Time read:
2h33
